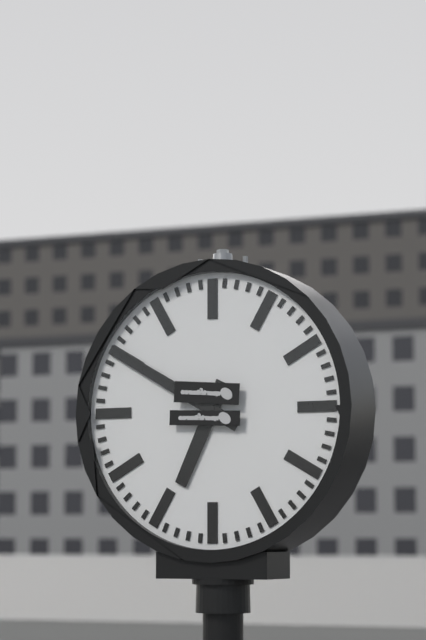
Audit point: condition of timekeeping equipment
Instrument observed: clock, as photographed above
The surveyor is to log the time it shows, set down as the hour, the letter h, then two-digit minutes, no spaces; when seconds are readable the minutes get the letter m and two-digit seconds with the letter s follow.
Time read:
6h50
